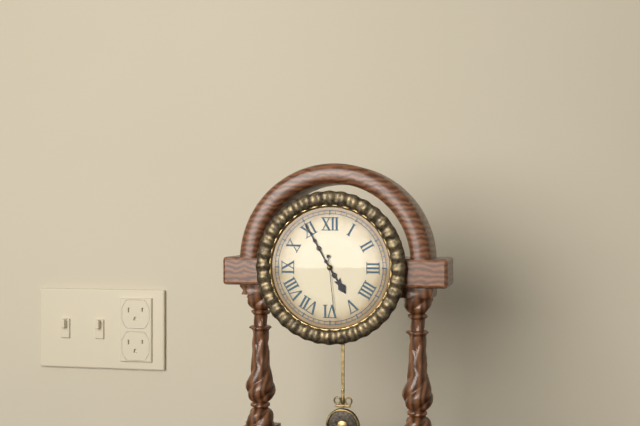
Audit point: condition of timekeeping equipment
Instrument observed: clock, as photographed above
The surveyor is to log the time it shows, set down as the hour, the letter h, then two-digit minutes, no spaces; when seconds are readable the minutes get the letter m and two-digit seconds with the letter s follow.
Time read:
4h55m29s
